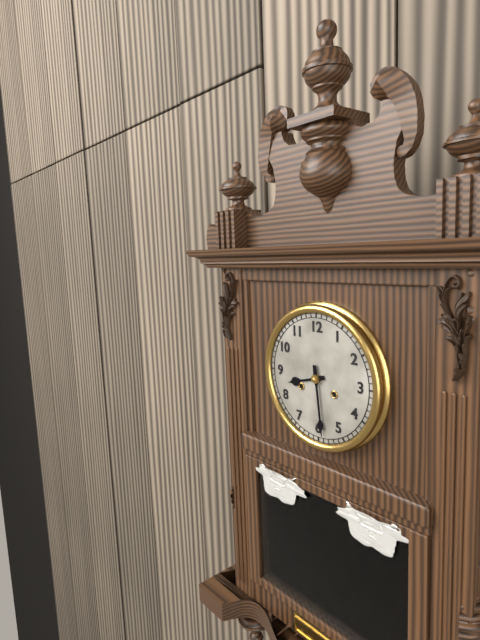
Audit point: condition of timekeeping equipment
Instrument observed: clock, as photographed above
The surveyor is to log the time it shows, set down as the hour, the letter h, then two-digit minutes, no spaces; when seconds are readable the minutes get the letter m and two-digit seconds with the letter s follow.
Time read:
8h29
